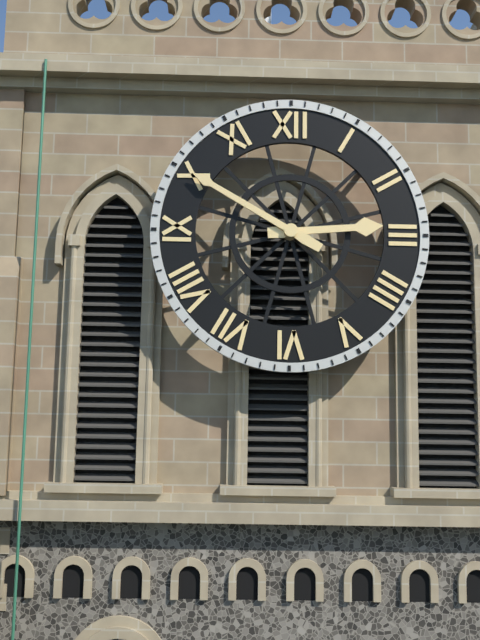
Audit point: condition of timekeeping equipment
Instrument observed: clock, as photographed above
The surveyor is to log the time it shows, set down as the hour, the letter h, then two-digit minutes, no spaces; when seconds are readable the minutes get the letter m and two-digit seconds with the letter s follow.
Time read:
2h50
